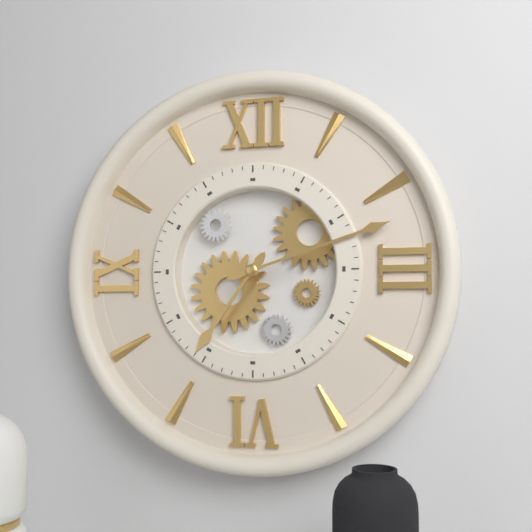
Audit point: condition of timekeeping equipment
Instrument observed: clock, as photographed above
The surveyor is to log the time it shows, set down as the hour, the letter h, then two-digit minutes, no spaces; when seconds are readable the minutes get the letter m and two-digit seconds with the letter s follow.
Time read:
7h12
